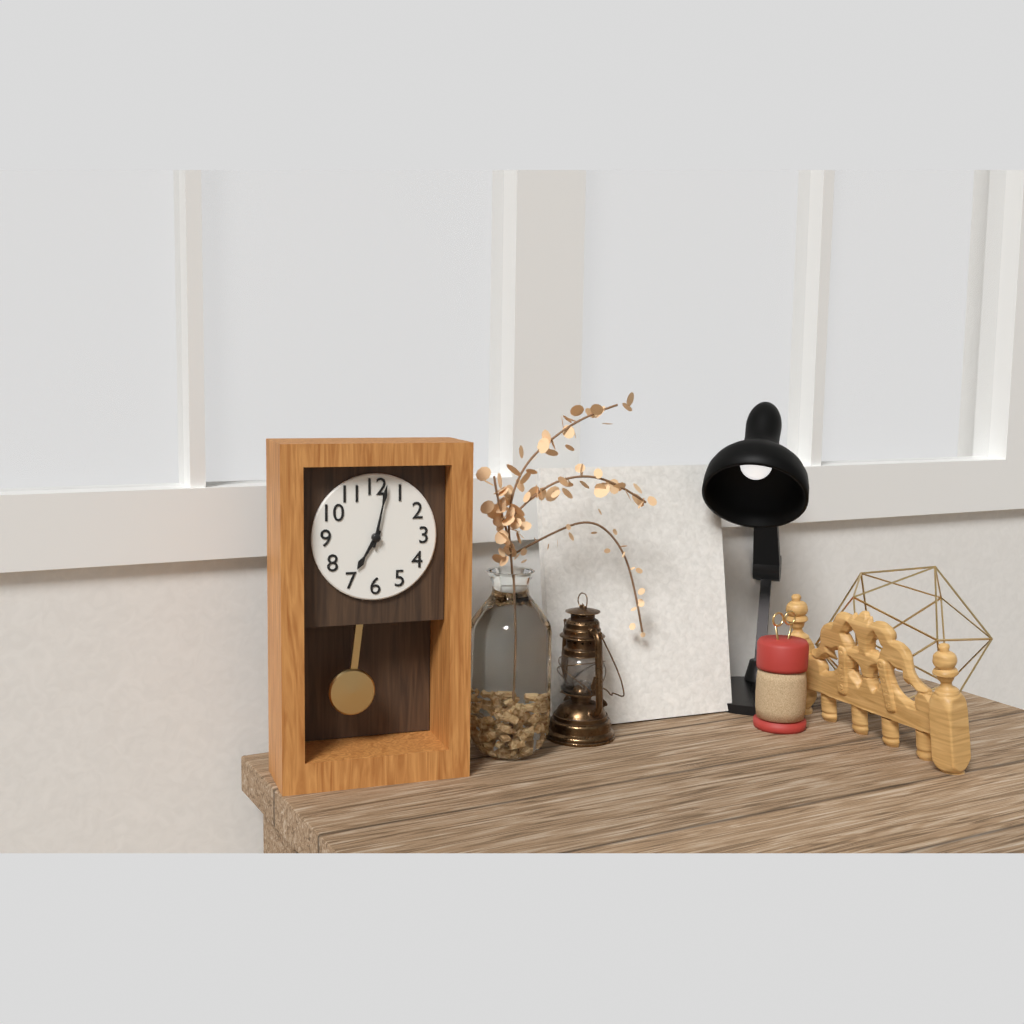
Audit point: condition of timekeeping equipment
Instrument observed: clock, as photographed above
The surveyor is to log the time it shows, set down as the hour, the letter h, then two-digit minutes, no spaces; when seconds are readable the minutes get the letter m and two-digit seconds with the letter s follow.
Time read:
7h02
